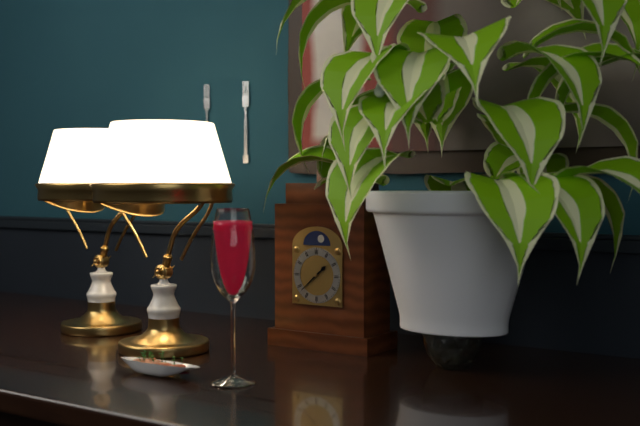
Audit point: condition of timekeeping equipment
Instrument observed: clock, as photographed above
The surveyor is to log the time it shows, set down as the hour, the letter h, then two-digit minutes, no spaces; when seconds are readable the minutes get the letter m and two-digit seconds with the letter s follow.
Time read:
1h38
